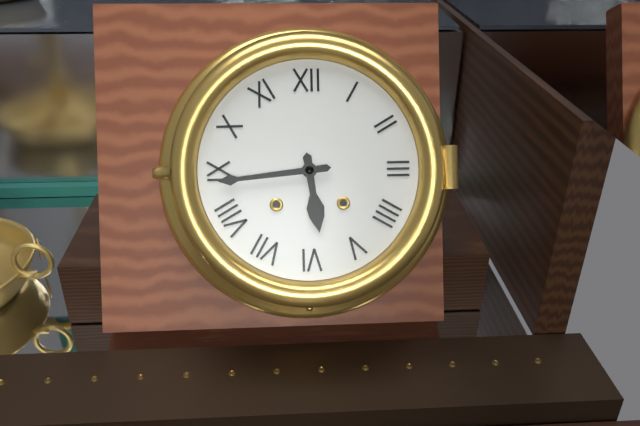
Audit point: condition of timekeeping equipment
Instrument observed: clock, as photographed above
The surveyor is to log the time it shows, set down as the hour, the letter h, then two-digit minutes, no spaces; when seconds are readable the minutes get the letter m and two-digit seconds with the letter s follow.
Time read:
5h44
